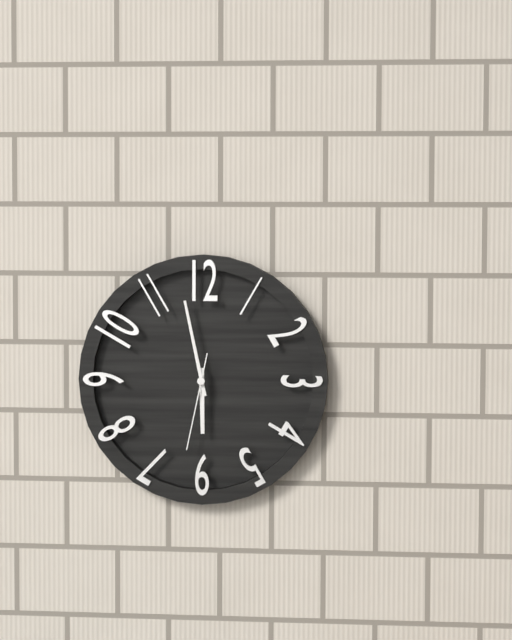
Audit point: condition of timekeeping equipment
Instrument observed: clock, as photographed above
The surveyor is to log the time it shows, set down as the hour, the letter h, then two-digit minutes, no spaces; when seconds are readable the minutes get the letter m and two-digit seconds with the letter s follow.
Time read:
5h58m32s
